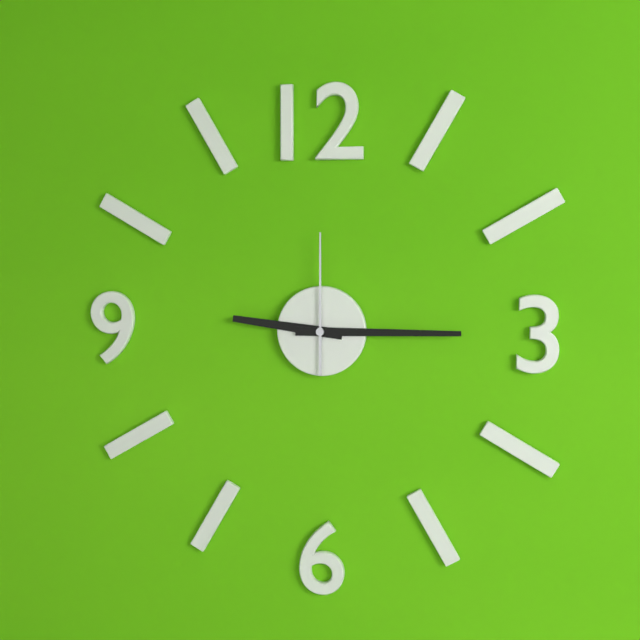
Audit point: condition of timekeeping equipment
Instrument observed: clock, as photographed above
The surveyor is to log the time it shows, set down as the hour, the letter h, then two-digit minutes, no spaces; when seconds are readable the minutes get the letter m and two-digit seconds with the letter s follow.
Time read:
9h15m00s
